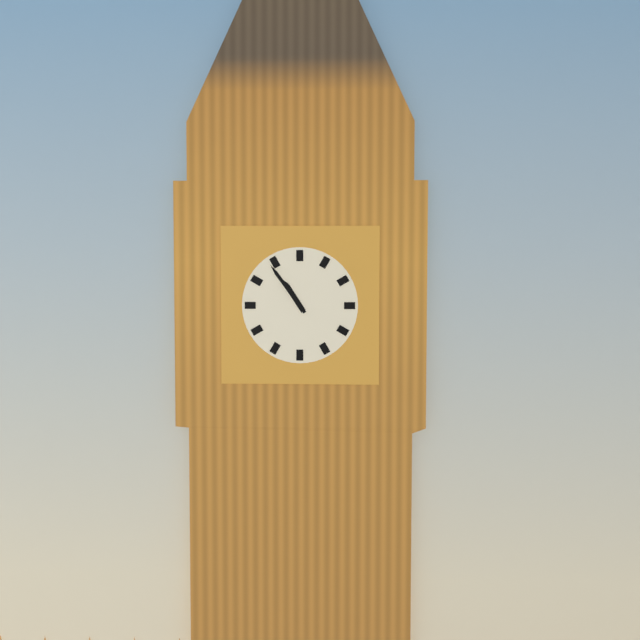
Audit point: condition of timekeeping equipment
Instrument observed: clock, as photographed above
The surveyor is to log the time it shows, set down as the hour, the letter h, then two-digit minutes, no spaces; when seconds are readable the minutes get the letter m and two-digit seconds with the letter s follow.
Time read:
10h54
